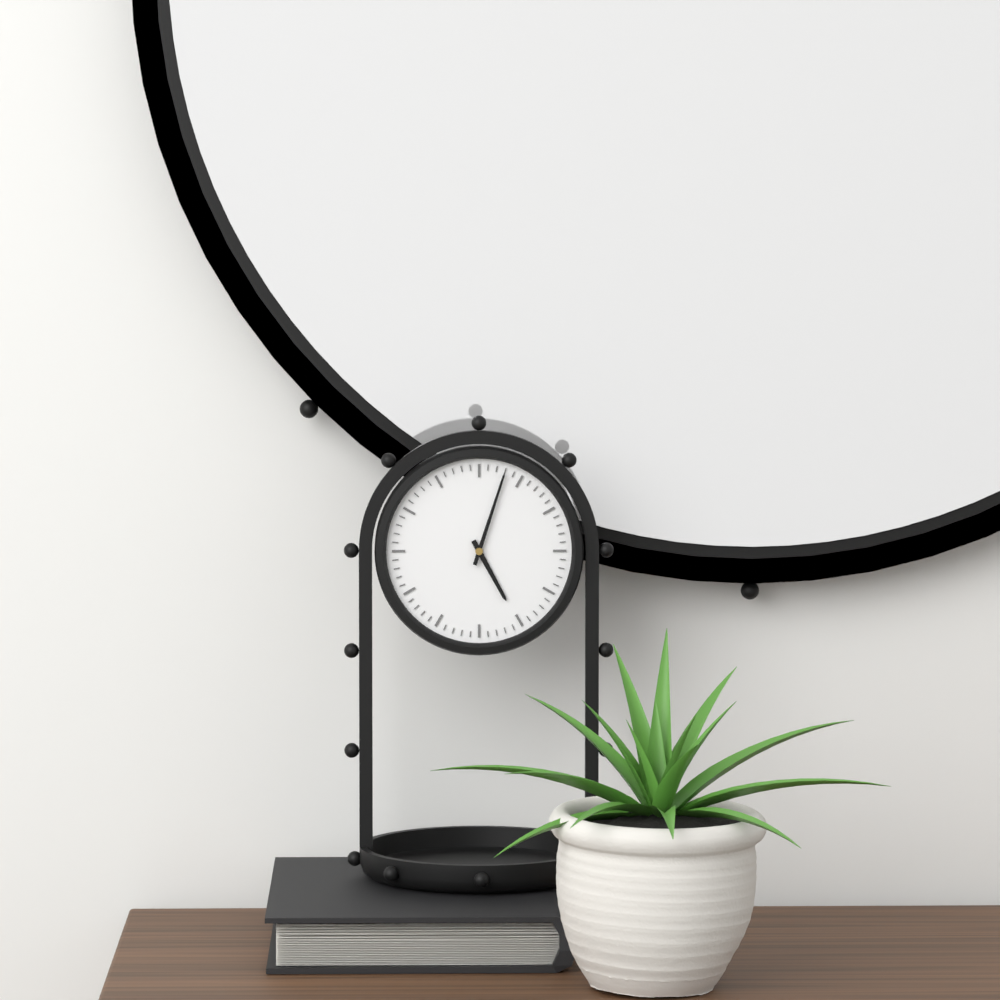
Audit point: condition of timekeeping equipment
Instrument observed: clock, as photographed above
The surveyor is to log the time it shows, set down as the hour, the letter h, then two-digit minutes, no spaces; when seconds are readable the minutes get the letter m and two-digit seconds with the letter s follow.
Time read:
5h03
